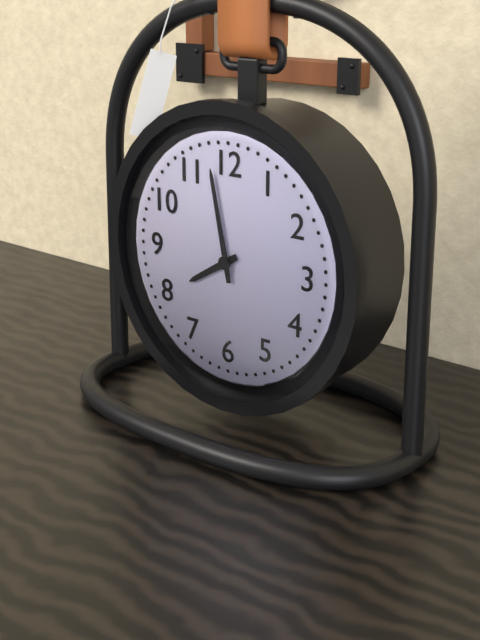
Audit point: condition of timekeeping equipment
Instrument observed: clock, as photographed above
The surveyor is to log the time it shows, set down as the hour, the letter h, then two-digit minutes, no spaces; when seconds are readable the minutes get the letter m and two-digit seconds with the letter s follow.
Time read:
7h58
